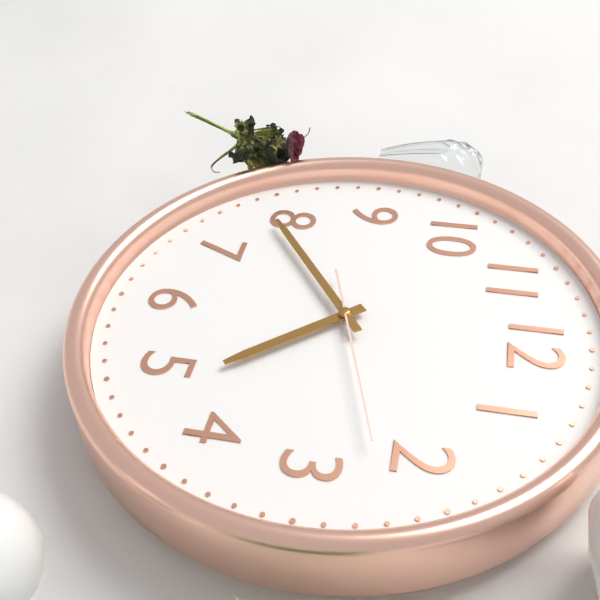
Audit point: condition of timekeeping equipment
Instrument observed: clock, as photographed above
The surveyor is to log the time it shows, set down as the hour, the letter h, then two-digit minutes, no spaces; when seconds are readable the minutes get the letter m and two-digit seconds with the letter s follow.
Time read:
4h39m12s
